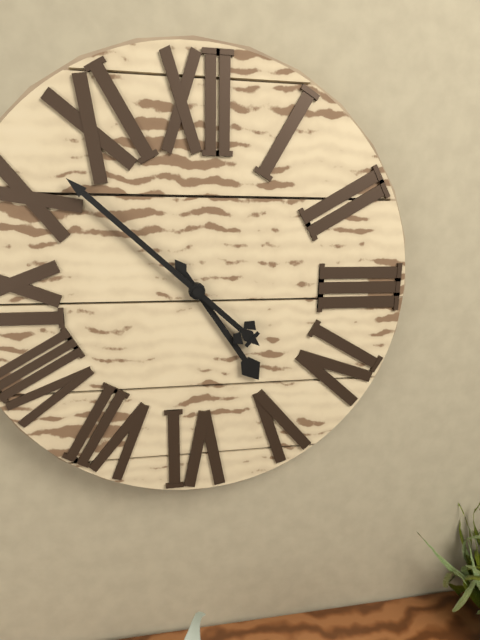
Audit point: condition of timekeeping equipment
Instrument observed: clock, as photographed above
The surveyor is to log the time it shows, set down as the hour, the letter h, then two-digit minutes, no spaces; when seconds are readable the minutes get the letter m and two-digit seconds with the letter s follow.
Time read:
4h52
